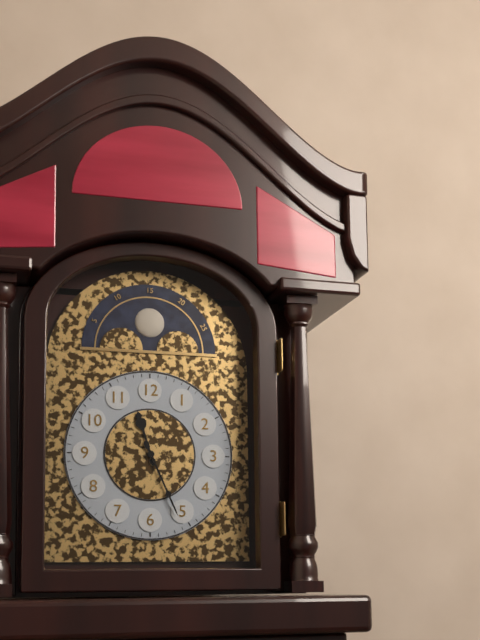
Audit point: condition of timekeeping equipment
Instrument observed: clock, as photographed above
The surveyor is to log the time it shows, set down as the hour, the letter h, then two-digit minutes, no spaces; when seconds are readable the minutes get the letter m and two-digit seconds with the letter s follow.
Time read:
11h26
